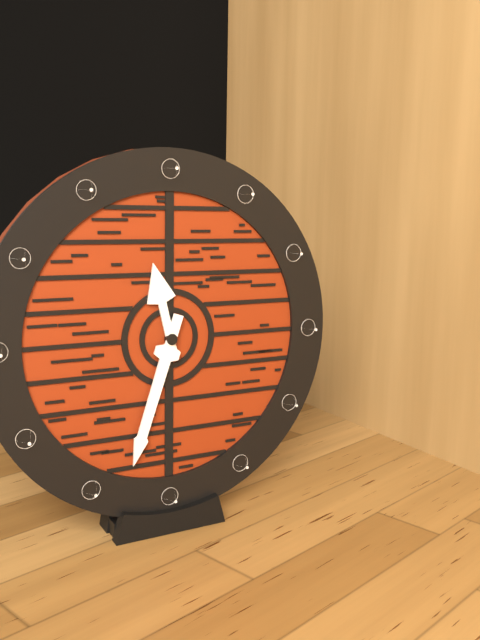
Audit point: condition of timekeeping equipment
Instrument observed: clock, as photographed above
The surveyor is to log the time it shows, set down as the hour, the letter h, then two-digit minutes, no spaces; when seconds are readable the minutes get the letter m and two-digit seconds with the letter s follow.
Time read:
11h33
